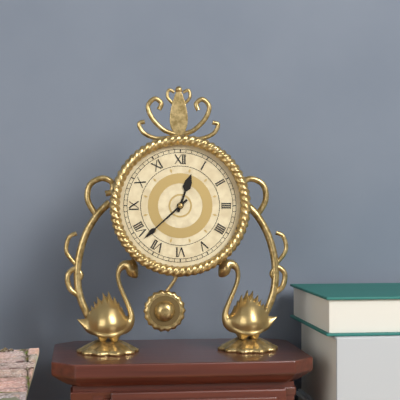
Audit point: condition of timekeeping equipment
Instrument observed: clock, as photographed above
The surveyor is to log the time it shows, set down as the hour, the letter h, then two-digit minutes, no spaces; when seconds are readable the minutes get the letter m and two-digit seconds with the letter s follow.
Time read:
12h38
